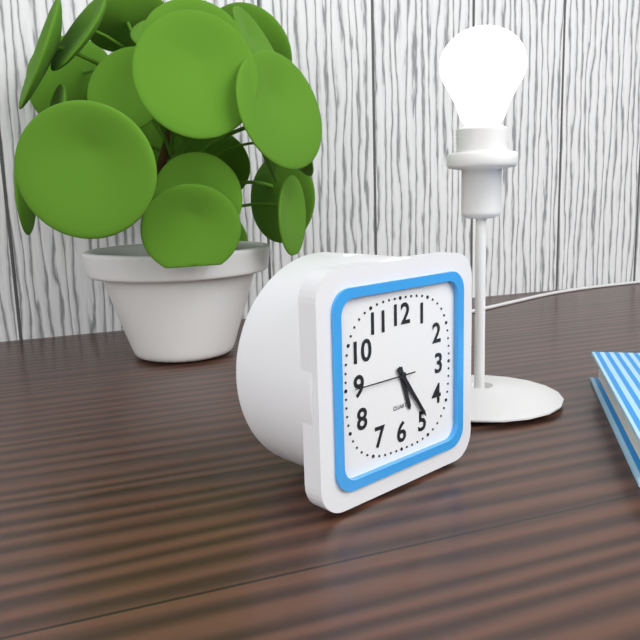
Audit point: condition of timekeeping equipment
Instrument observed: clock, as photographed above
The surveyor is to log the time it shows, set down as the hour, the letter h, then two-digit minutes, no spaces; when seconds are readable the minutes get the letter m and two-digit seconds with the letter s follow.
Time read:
5h24m45s
